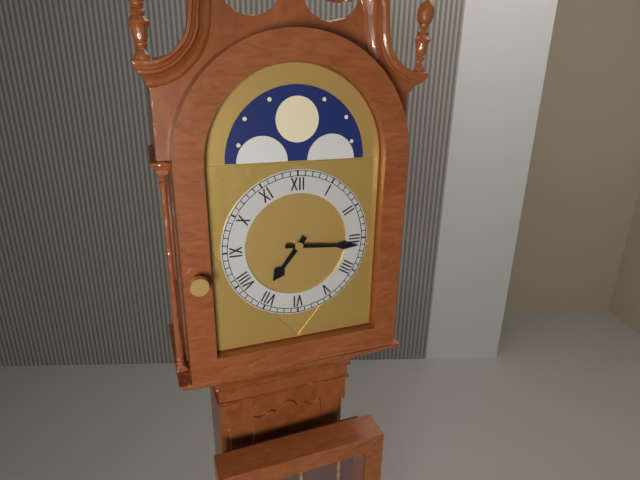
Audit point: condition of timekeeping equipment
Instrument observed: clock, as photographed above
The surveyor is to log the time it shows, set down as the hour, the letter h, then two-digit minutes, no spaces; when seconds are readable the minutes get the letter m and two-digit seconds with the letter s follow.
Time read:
7h16
